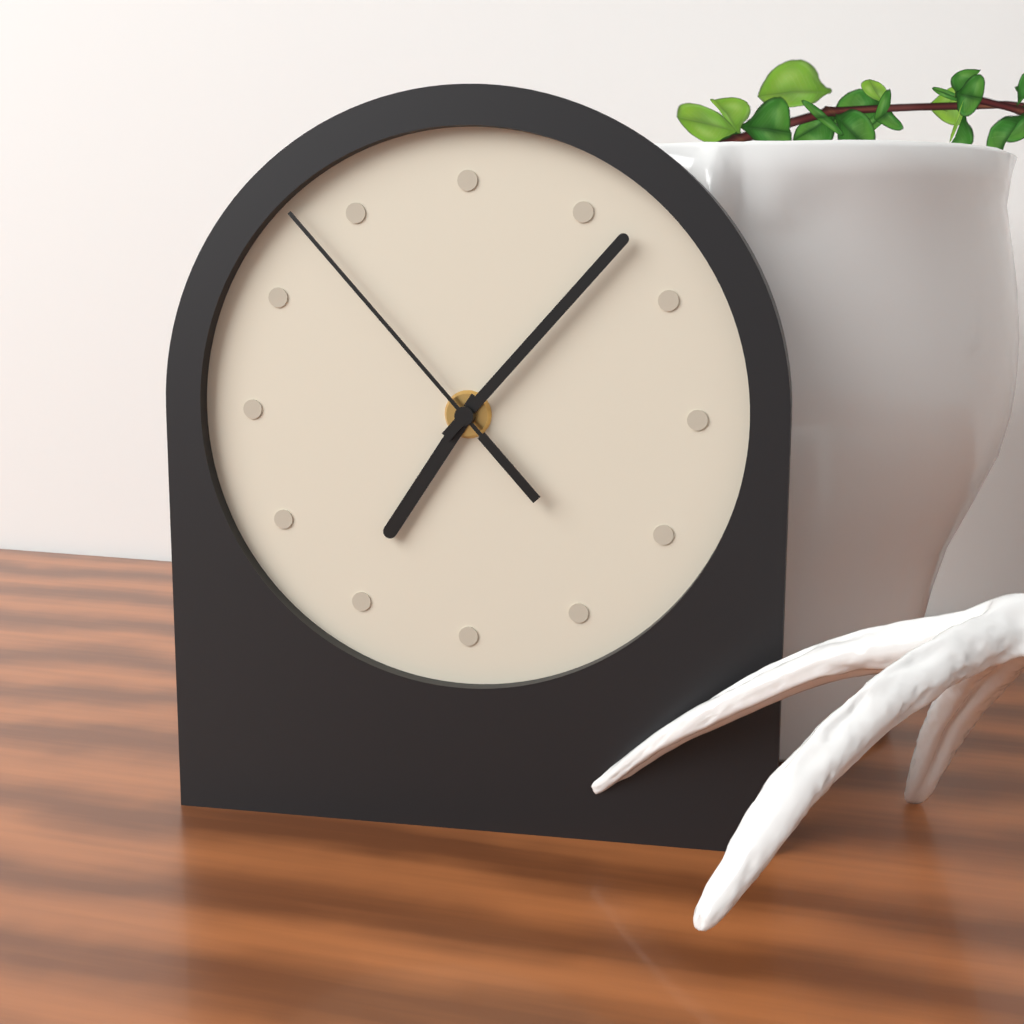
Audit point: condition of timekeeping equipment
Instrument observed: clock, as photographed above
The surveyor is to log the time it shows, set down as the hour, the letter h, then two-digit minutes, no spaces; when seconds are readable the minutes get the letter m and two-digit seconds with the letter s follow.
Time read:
7h07m53s
